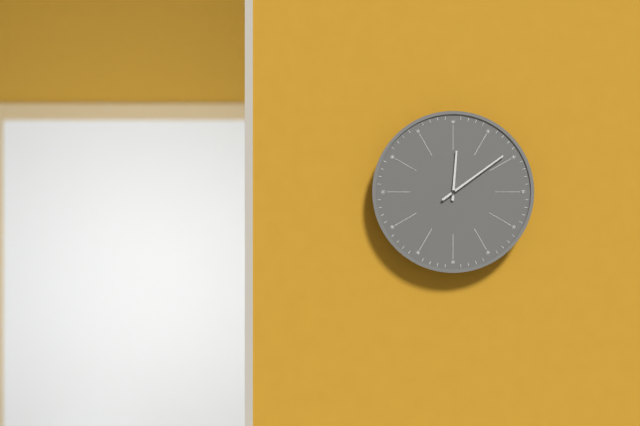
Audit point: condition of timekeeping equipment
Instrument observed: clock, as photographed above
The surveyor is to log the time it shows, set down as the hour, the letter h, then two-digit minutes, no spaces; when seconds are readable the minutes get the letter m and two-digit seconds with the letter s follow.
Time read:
12h09
